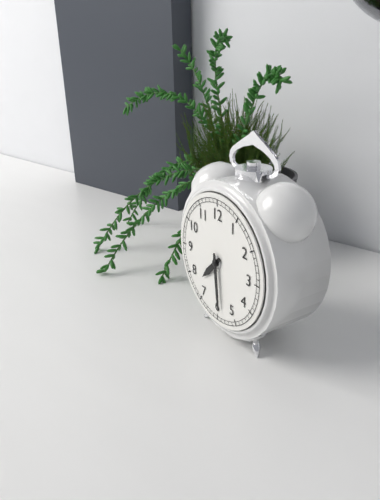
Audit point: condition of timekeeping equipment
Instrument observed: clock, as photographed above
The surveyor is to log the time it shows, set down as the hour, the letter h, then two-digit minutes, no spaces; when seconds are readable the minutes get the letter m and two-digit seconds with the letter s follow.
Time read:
7h29
